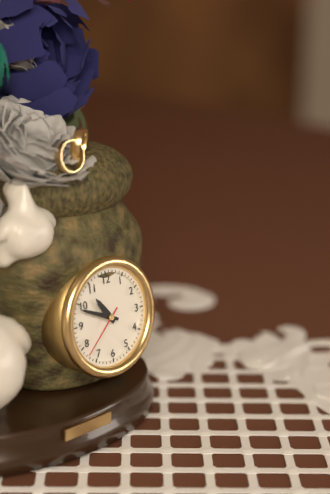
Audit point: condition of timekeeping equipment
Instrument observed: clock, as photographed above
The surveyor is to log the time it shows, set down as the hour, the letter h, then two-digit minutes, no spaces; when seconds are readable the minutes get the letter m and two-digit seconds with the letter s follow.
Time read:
10h49m38s
